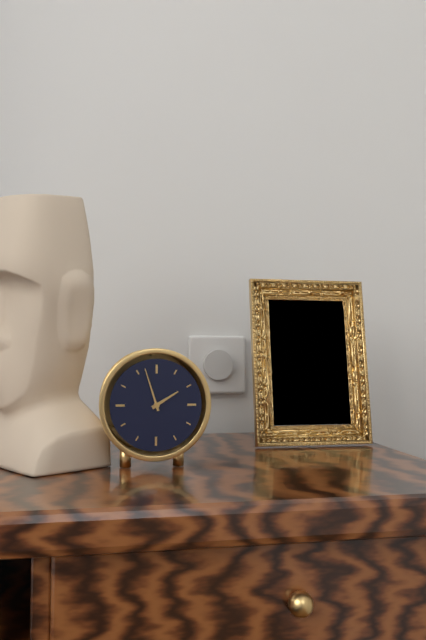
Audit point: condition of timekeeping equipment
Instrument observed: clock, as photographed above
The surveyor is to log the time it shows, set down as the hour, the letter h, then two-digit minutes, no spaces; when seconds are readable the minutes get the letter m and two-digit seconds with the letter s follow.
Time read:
1h57
